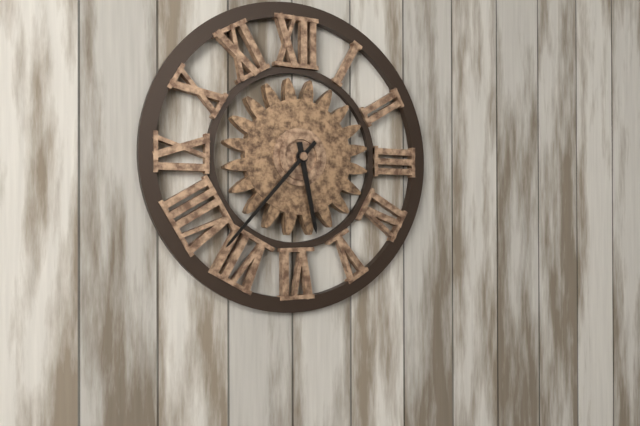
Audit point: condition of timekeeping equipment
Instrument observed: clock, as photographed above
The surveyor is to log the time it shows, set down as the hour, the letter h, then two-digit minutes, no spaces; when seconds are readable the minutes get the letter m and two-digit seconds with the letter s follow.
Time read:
5h37
